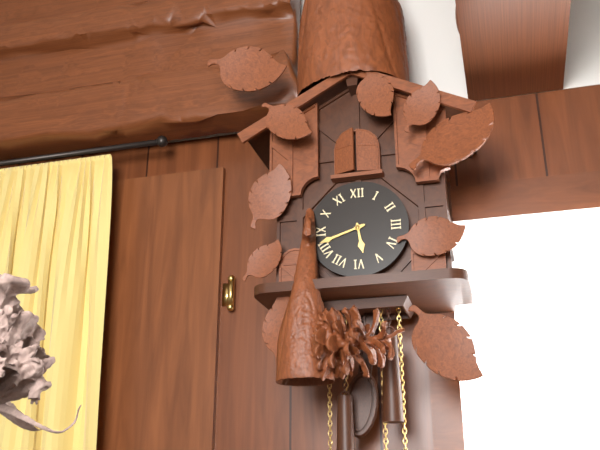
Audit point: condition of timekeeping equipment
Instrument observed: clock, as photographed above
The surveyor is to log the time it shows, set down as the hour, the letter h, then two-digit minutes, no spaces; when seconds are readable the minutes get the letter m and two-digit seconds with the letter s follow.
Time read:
5h42
